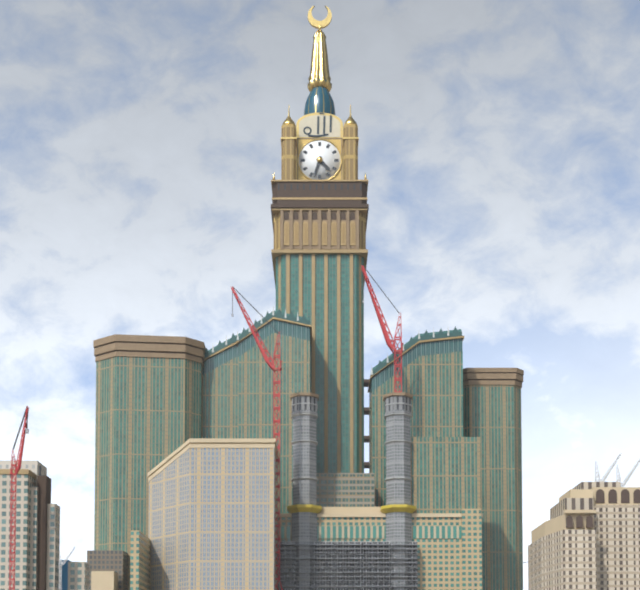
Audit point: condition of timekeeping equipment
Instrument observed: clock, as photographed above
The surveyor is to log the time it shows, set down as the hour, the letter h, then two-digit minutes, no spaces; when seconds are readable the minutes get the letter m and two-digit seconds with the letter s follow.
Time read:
4h33
